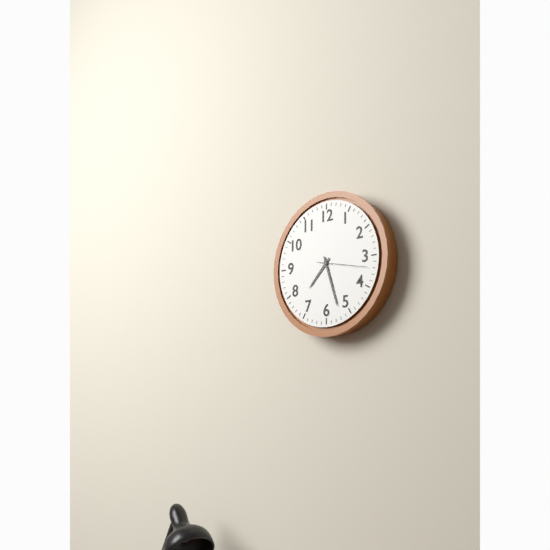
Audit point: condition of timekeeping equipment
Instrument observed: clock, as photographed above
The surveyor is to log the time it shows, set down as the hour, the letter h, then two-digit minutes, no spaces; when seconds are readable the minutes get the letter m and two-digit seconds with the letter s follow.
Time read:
7h27m17s
